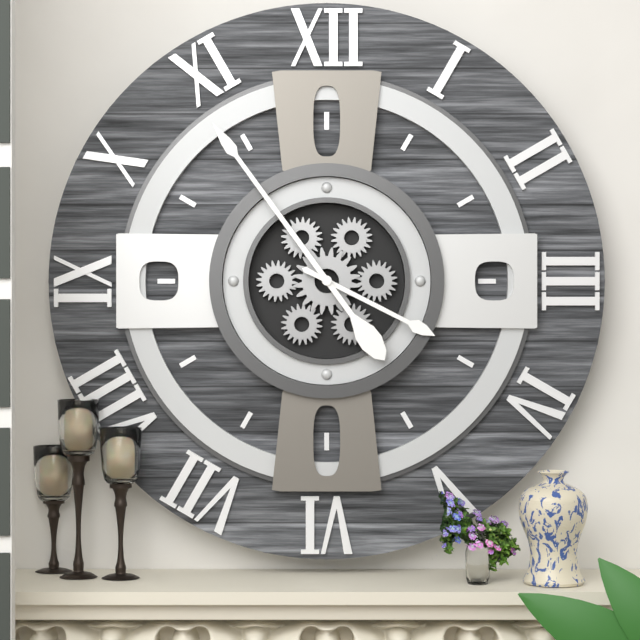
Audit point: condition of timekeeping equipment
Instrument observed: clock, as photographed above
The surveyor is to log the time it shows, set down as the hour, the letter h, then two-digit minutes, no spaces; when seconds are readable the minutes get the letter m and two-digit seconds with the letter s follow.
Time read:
3h54
